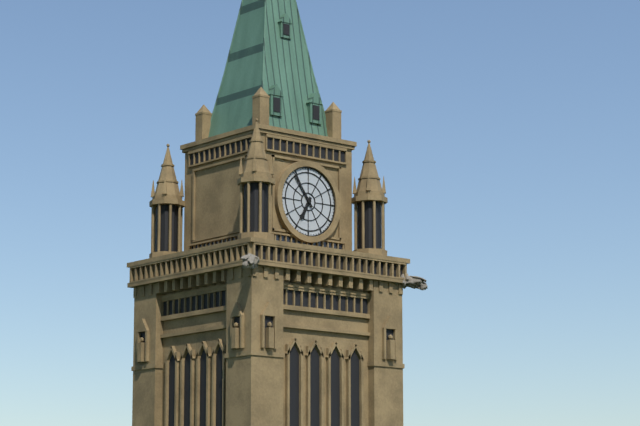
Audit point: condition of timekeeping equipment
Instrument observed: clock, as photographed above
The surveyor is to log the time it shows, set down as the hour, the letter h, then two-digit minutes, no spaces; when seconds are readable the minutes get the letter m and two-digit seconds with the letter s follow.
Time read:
6h54
